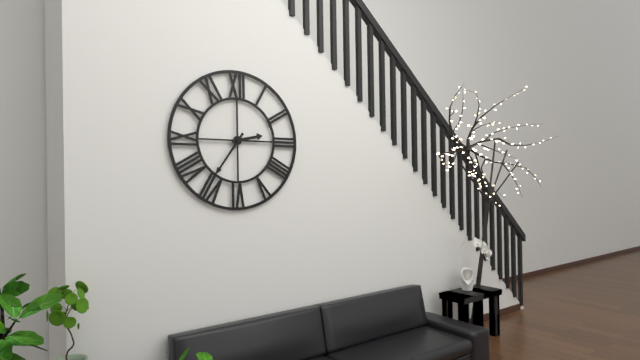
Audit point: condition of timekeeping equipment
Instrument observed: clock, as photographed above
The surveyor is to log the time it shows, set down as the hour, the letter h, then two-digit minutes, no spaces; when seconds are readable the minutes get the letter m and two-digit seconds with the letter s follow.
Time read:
2h36
